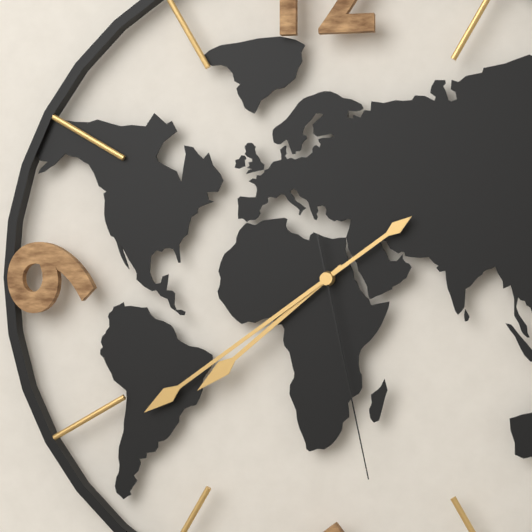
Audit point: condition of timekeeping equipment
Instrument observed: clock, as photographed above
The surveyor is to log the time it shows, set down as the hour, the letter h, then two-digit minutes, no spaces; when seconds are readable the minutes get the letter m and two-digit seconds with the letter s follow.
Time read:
7h39m28s
